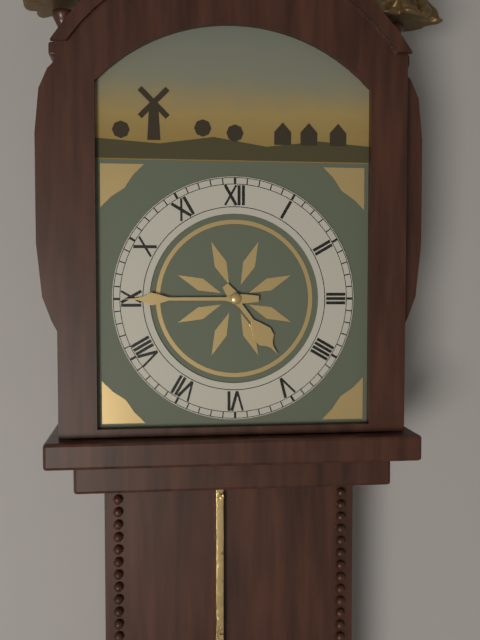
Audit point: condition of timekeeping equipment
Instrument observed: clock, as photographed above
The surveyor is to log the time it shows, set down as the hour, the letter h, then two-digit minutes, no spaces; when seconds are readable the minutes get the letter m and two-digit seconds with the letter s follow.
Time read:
4h45
